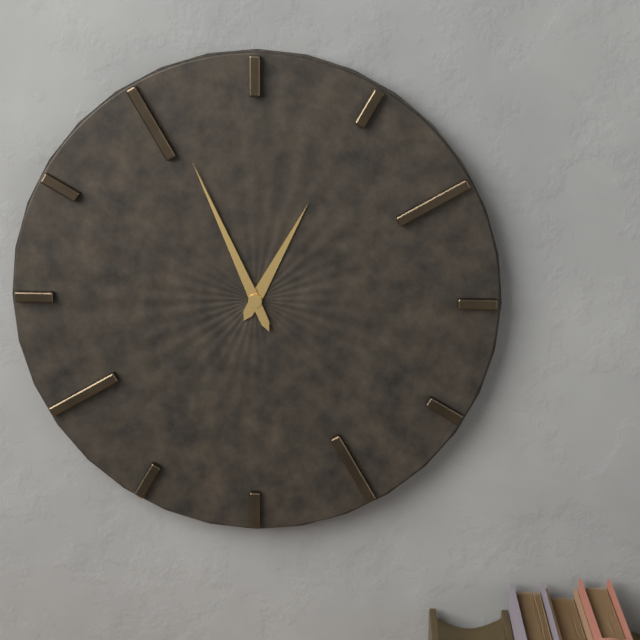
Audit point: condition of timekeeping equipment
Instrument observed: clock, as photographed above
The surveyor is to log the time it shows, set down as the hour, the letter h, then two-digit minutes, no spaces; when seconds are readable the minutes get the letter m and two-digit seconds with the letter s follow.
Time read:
12h56
